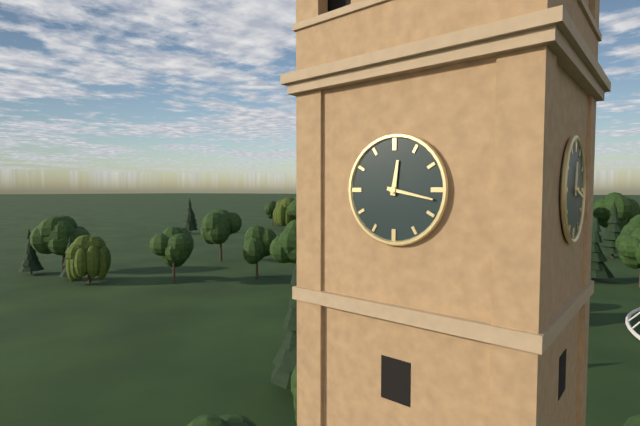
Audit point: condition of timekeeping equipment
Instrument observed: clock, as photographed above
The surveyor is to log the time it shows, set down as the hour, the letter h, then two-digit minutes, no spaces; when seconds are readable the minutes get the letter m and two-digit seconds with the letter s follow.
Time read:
12h17
